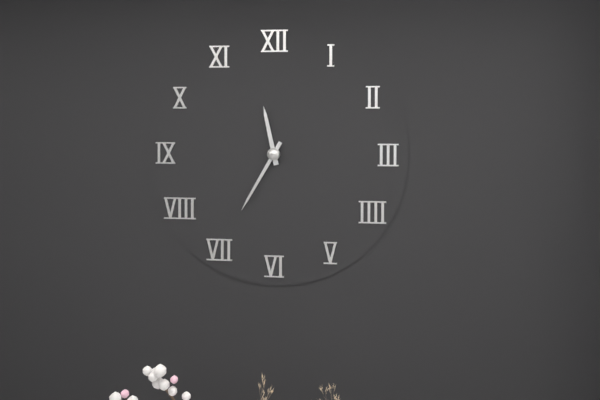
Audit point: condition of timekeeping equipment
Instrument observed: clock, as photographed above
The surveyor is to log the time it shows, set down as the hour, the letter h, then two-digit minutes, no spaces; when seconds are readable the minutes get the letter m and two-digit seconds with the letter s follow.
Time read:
11h35
